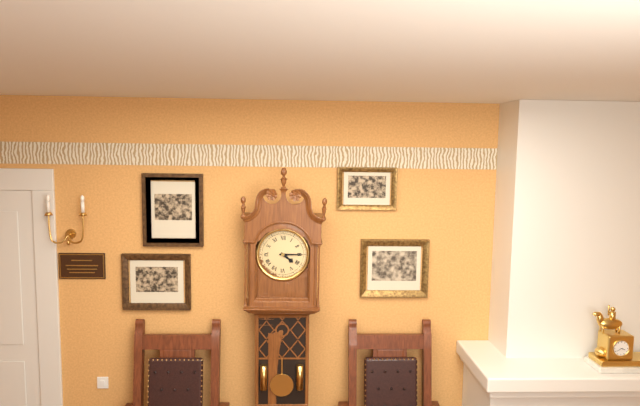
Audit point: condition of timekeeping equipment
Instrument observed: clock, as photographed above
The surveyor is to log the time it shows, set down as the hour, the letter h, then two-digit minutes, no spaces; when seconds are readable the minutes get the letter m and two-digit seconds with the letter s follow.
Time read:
4h15
